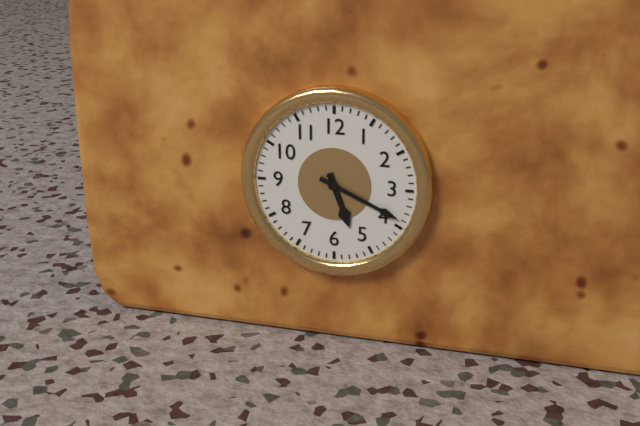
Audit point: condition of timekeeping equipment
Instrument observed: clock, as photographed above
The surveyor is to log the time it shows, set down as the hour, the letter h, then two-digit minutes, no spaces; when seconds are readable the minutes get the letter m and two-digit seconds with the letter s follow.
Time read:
5h19
